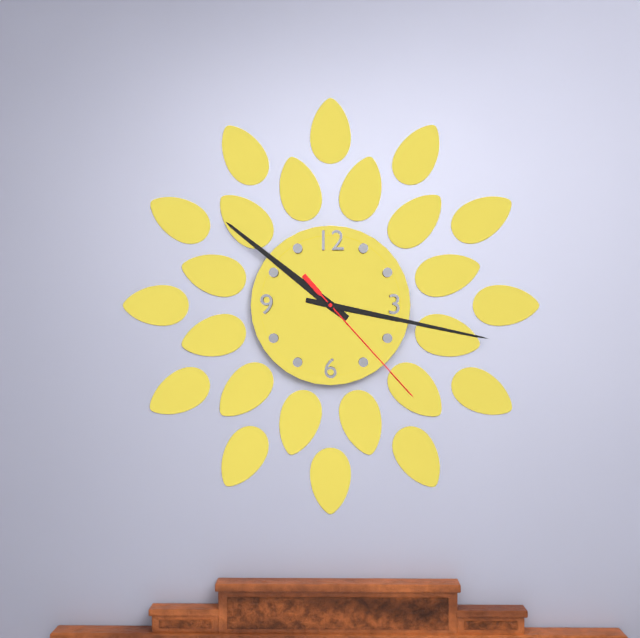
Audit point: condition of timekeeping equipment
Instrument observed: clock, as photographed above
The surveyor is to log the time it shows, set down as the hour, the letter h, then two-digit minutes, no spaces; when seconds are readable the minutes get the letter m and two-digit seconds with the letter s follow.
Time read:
10h17m23s
